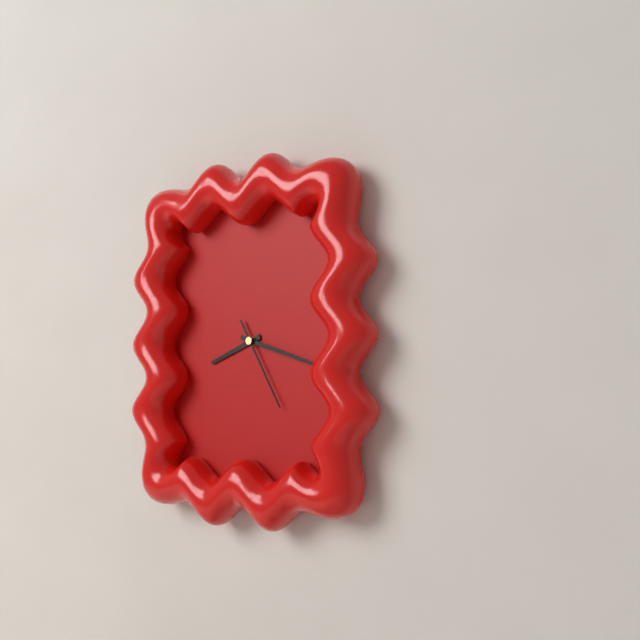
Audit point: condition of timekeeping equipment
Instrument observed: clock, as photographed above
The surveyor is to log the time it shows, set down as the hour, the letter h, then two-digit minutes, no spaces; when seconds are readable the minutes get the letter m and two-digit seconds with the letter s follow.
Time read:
8h18m25s
